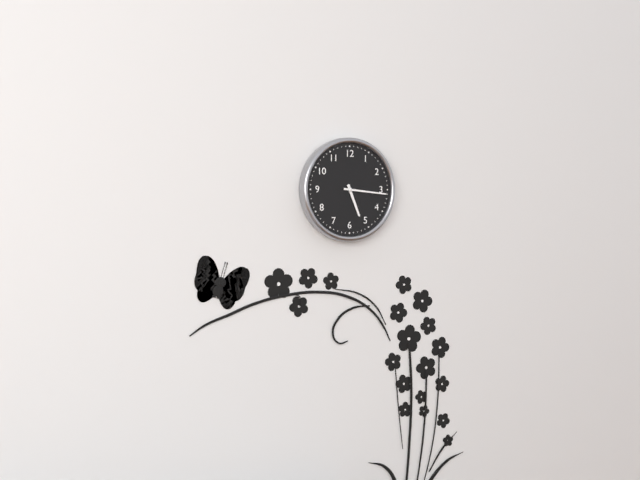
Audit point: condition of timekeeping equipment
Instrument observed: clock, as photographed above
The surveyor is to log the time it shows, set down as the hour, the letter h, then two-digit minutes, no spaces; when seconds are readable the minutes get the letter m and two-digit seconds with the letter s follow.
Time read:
5h16
